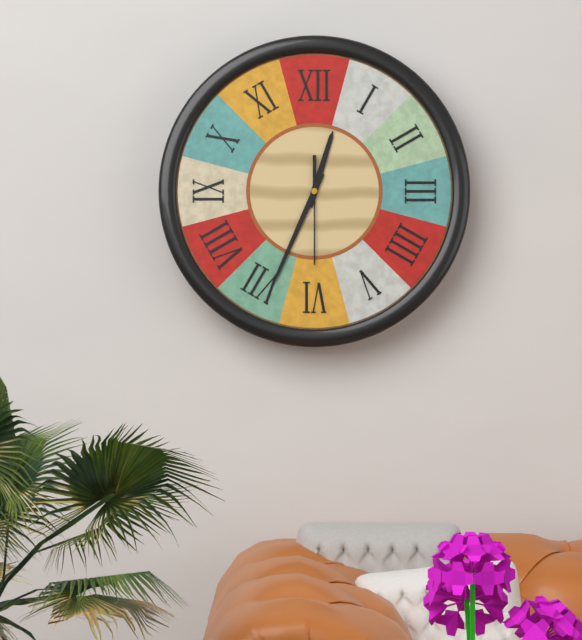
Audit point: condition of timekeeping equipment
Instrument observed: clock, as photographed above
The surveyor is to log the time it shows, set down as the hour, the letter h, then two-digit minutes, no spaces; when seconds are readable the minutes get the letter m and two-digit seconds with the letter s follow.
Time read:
12h34m30s
